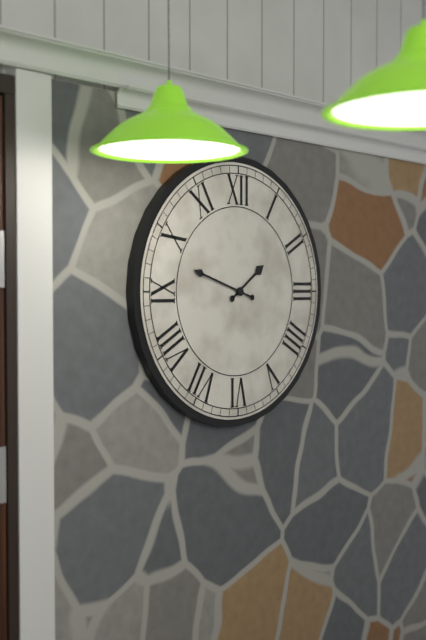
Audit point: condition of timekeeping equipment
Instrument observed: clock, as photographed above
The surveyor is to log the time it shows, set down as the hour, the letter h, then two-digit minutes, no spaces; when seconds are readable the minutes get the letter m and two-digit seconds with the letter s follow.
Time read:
1h48
